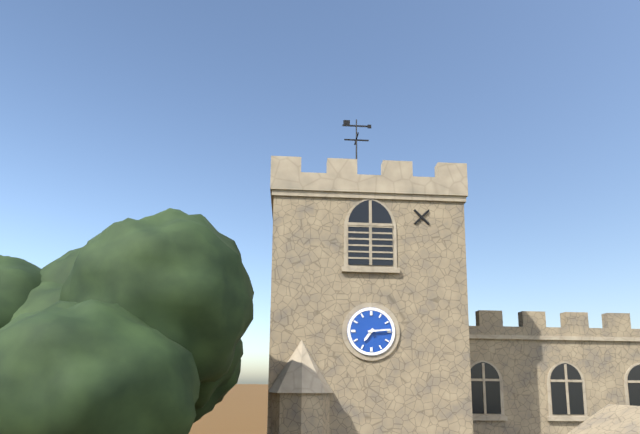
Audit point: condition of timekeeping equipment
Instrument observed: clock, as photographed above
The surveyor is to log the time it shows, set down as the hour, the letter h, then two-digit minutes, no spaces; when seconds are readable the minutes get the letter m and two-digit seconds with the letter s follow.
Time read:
7h14
